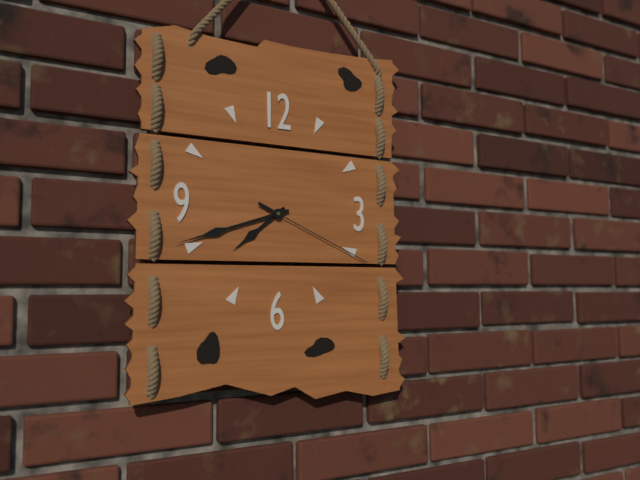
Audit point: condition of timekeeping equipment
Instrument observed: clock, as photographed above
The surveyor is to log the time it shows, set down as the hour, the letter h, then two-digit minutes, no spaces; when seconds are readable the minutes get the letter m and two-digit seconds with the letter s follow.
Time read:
7h42m19s
